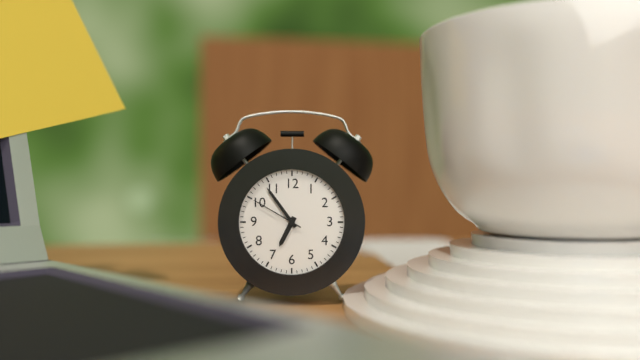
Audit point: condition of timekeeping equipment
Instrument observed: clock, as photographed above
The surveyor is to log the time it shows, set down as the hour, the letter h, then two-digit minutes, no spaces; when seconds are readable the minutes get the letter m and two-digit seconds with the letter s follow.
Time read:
6h54m50s
